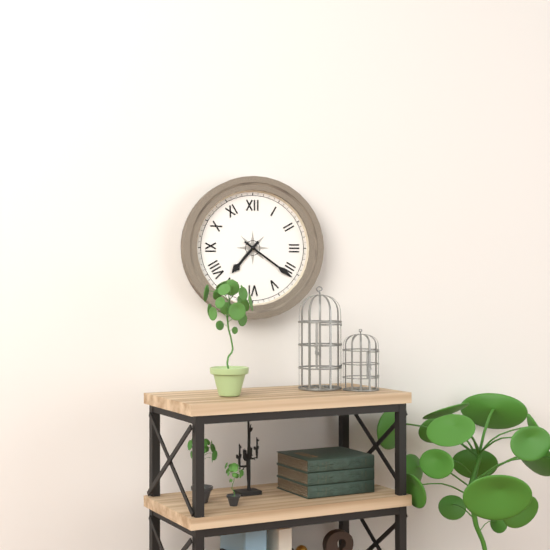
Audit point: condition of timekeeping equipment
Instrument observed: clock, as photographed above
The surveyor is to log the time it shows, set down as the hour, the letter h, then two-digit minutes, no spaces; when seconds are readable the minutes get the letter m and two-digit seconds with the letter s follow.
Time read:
7h21
